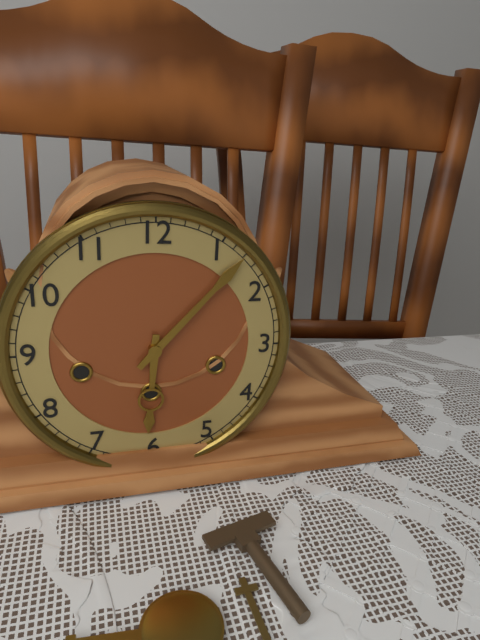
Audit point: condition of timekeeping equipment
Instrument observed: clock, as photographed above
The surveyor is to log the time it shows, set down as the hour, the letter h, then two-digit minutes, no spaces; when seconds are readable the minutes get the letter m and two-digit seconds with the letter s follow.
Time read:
6h07
